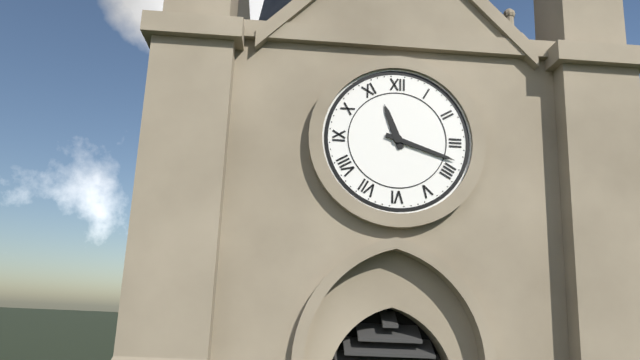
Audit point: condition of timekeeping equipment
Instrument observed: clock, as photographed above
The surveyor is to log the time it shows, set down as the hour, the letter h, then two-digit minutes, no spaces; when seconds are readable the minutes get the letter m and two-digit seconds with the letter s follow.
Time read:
11h18
